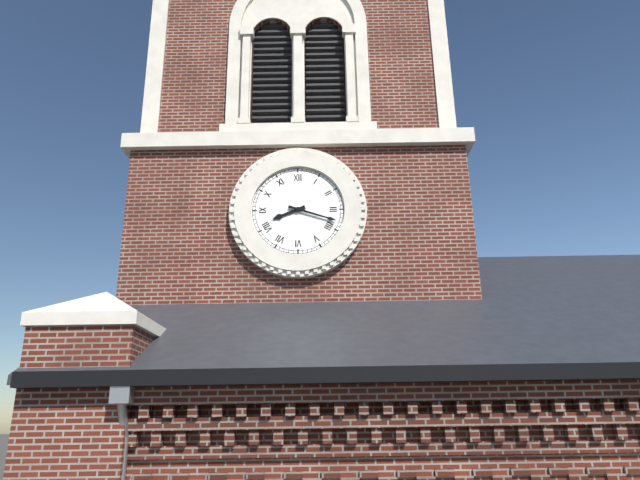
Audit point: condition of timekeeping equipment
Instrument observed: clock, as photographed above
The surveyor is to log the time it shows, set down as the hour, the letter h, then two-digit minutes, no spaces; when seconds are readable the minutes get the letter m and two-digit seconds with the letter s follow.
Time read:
8h18
